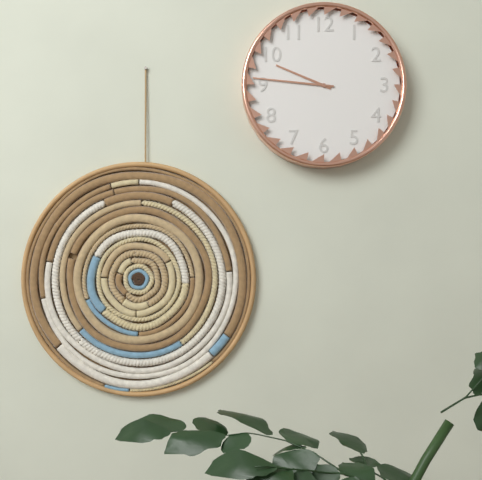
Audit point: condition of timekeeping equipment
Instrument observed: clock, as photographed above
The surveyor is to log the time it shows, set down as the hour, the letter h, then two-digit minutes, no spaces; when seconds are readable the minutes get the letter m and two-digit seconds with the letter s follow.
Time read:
9h46
